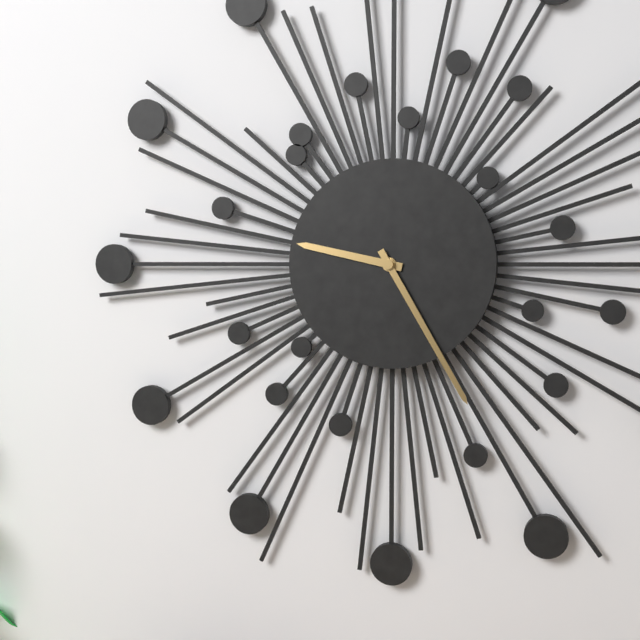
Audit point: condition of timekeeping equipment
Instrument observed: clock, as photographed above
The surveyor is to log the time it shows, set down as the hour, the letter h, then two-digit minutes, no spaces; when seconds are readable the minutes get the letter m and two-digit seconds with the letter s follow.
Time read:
9h25
